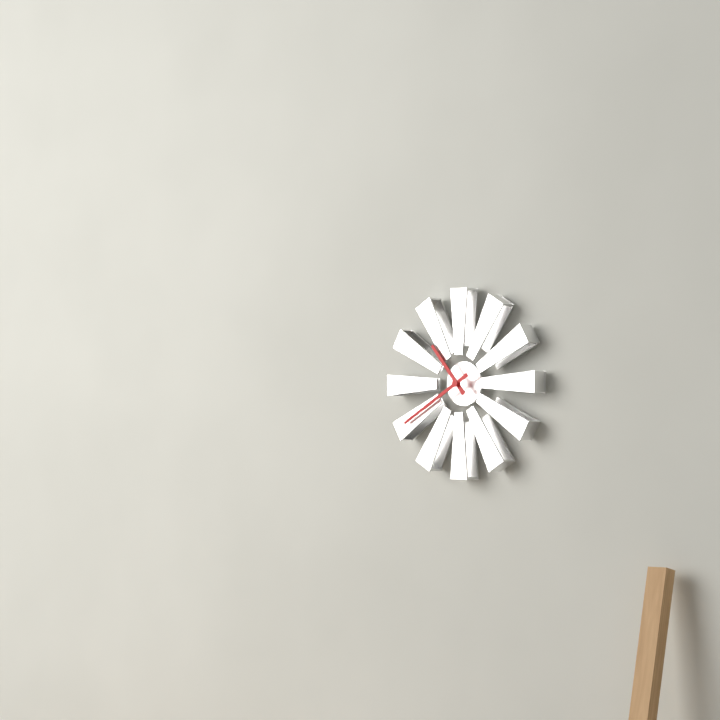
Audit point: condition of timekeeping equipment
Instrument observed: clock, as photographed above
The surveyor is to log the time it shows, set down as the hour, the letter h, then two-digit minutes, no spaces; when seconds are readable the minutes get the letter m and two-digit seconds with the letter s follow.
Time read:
10h40
